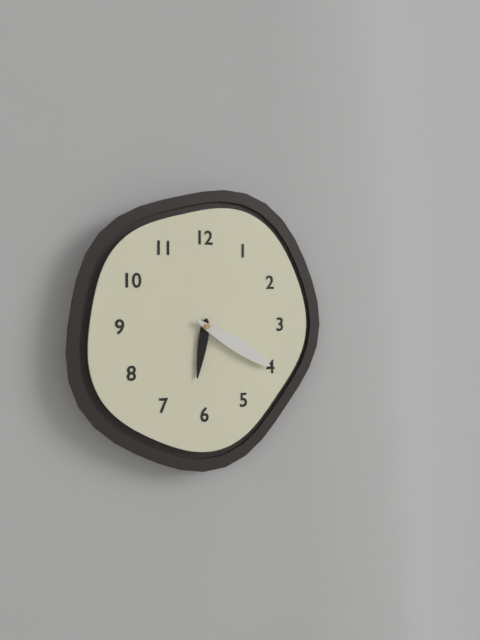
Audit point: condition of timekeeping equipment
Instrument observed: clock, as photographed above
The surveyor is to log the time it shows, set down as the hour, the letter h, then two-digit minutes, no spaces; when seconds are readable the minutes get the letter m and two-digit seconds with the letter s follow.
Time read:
6h20
